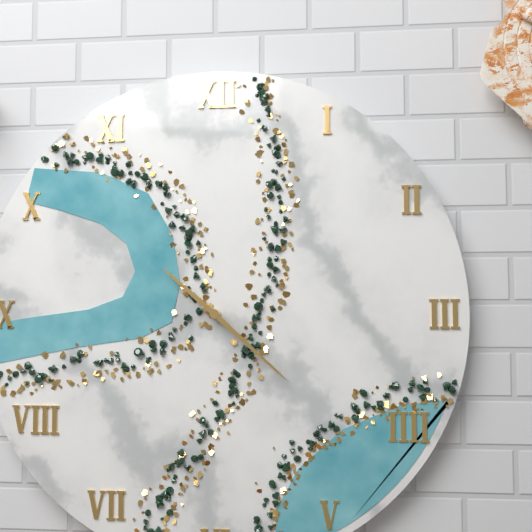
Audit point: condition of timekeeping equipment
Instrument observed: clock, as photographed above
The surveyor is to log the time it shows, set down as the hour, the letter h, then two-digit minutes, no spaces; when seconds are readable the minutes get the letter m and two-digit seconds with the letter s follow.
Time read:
10h22
